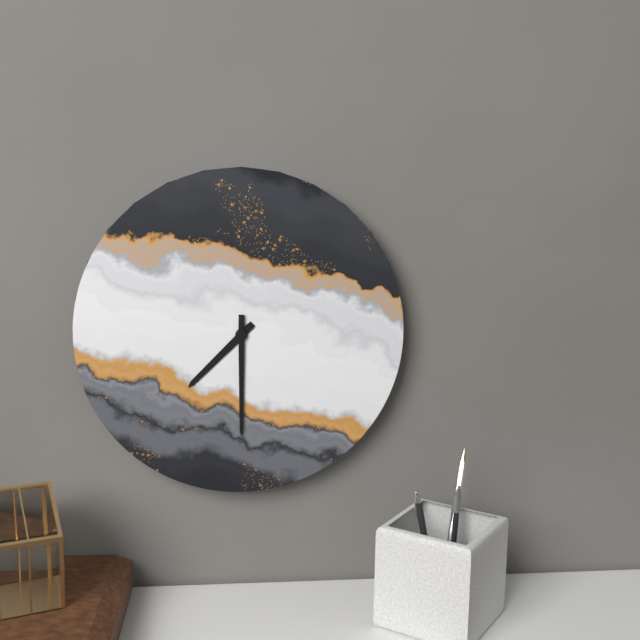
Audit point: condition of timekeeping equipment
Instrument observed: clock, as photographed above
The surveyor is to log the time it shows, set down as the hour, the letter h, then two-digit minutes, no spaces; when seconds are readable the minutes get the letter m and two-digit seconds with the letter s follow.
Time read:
7h30
